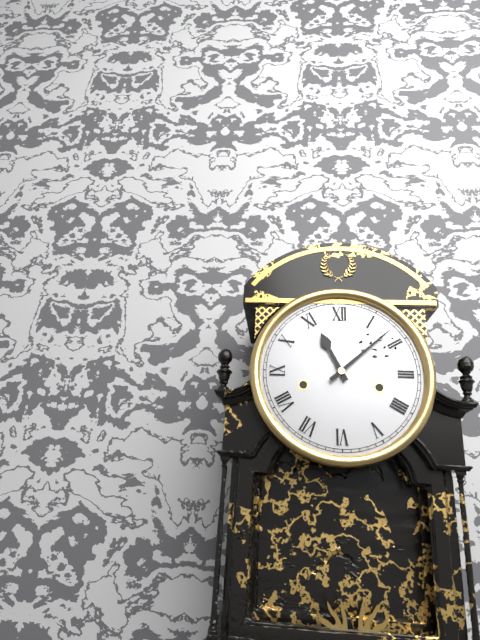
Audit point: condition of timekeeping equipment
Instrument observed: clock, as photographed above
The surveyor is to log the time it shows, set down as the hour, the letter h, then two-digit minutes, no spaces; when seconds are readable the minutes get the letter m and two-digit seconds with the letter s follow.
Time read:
11h08
